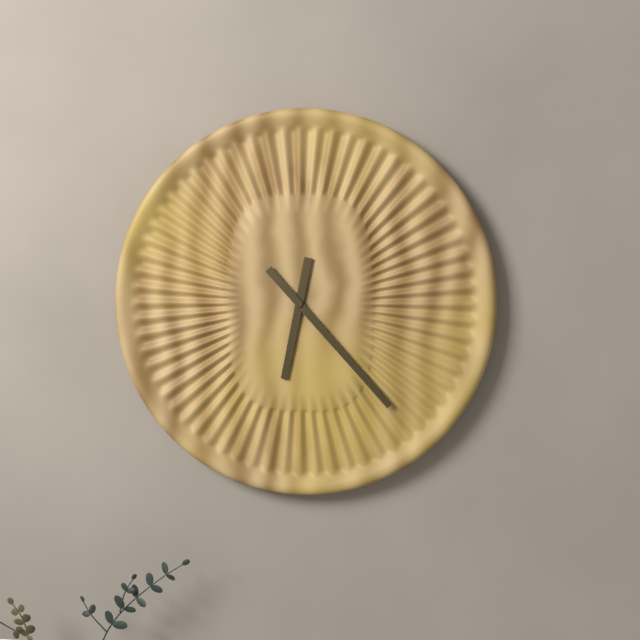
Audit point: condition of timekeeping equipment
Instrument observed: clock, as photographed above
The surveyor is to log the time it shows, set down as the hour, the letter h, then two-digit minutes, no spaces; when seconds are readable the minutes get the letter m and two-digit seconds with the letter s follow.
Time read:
6h23
